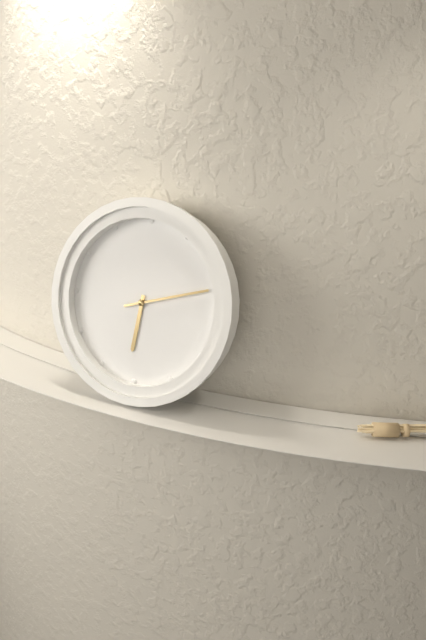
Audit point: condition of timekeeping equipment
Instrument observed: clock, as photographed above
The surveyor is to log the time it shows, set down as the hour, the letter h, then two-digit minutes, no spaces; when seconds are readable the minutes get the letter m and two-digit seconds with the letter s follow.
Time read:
6h12
